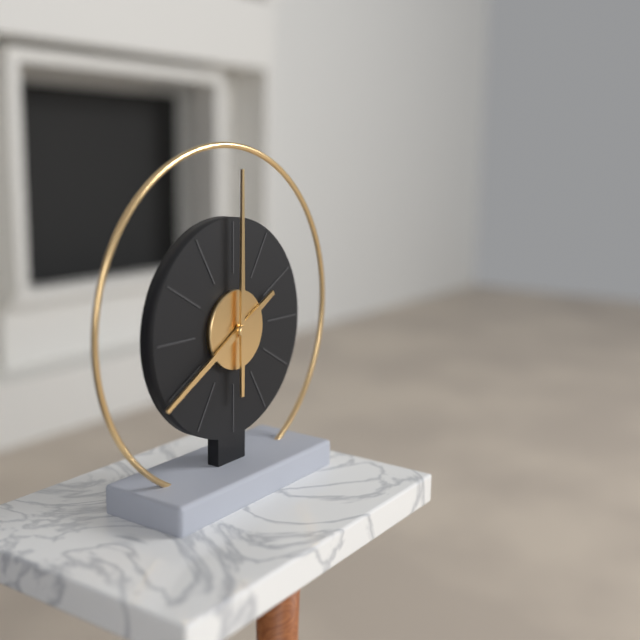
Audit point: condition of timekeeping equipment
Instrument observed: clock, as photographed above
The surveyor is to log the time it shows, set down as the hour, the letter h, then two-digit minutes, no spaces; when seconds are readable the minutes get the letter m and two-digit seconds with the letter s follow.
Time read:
8h00
